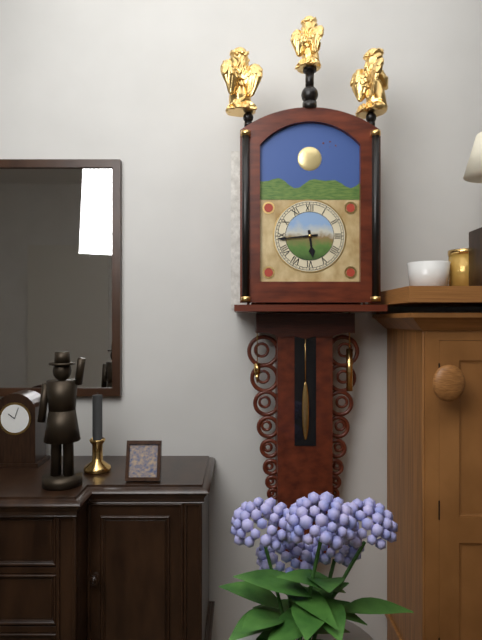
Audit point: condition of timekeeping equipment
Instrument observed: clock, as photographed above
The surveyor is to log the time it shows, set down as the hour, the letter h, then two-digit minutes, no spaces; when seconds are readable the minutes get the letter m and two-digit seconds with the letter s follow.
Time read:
5h44
